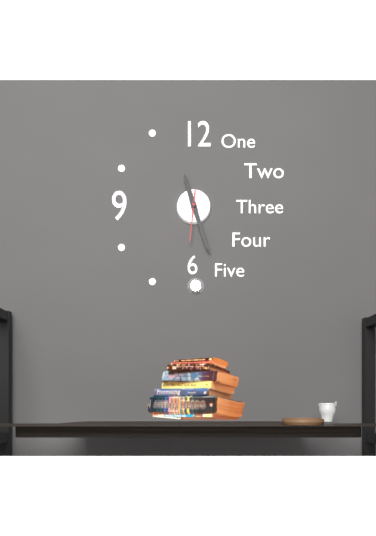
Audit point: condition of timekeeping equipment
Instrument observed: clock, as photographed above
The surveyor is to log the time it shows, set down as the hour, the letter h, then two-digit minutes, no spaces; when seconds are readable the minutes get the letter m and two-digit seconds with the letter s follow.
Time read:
11h27
